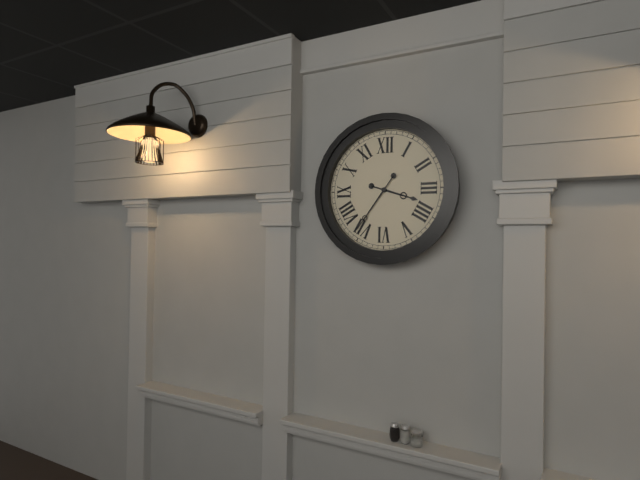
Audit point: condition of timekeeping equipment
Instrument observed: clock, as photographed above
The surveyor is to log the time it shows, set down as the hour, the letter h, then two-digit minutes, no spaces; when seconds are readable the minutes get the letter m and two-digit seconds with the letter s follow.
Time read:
3h36
